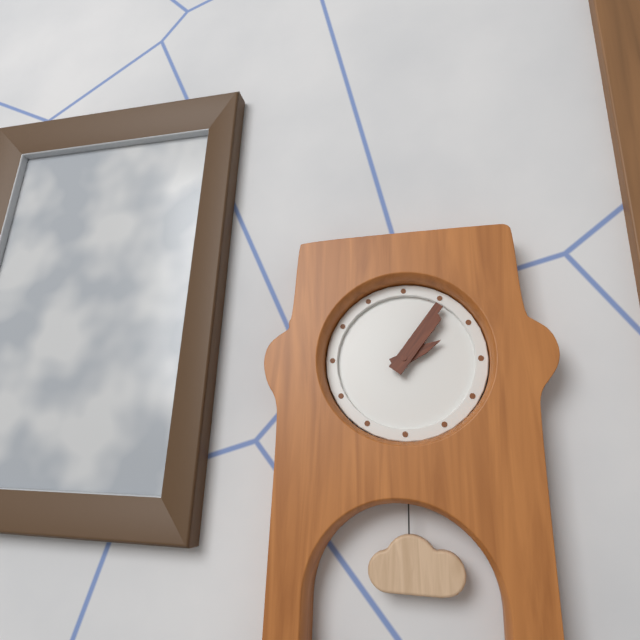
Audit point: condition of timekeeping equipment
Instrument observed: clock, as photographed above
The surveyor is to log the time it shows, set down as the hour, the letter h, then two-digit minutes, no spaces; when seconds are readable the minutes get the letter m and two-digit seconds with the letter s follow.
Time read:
2h06
